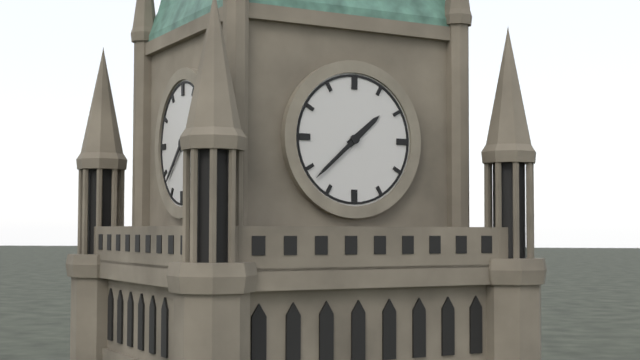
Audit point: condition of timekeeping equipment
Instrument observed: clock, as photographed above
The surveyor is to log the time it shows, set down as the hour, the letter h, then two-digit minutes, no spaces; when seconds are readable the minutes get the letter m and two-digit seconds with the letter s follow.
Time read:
1h38
